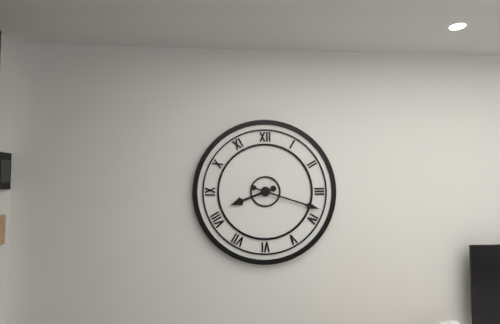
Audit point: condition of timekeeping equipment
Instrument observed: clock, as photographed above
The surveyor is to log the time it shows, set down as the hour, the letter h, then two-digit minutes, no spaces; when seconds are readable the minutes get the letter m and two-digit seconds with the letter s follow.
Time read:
8h18
